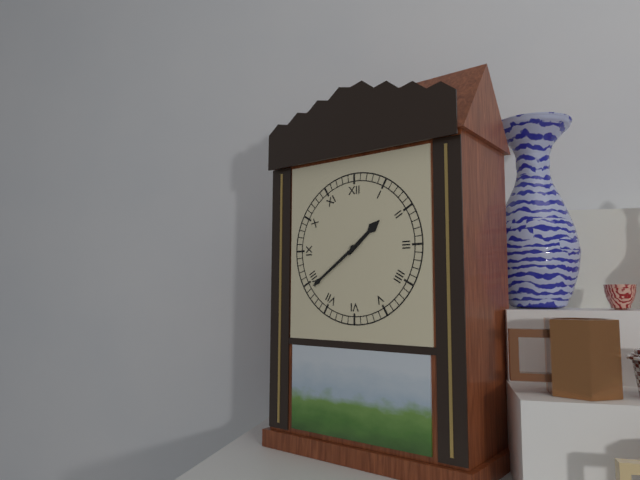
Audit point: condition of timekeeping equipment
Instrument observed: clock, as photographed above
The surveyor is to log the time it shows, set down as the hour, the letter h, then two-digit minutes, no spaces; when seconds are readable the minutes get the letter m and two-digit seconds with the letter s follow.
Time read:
1h39
